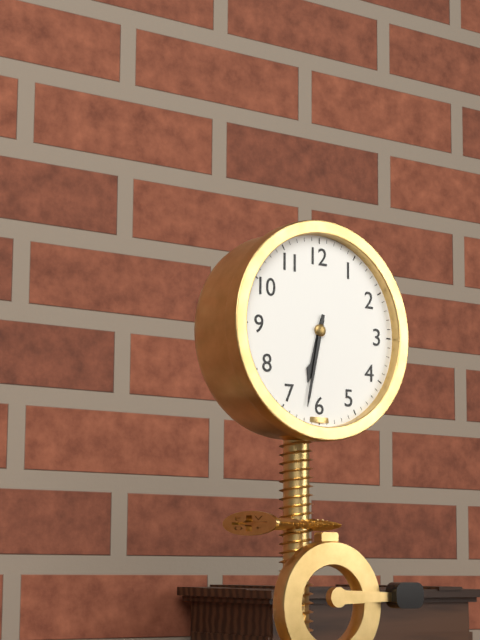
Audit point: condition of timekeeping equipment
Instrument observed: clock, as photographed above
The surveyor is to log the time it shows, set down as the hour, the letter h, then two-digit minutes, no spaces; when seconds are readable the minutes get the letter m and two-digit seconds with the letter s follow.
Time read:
6h32
